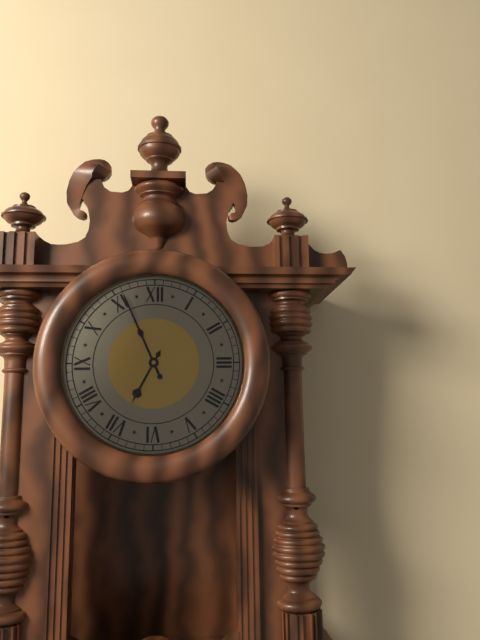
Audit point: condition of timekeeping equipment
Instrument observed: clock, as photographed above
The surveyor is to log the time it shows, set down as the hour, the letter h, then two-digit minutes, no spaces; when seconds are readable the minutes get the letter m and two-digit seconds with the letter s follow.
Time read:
6h56
